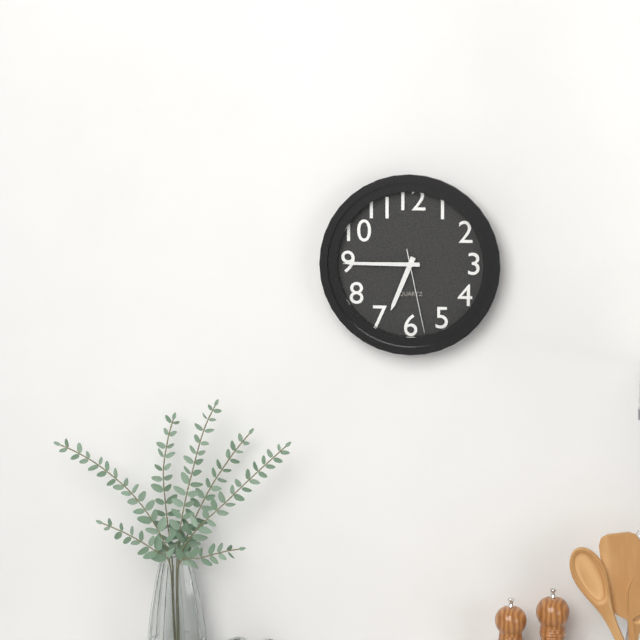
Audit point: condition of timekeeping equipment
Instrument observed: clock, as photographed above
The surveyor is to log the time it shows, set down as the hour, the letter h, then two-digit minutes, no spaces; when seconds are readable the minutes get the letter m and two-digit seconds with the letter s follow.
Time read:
6h45m28s
